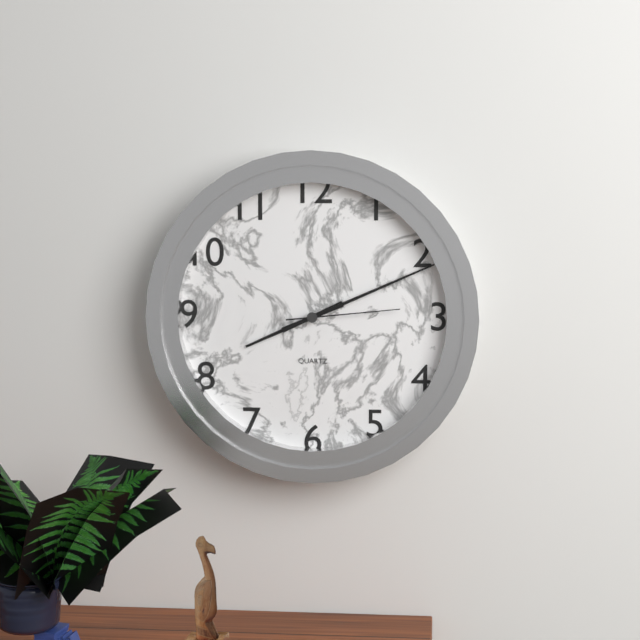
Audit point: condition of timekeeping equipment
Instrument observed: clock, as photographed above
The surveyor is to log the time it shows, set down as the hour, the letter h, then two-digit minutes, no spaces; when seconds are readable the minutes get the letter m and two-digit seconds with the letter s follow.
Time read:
8h11m14s
